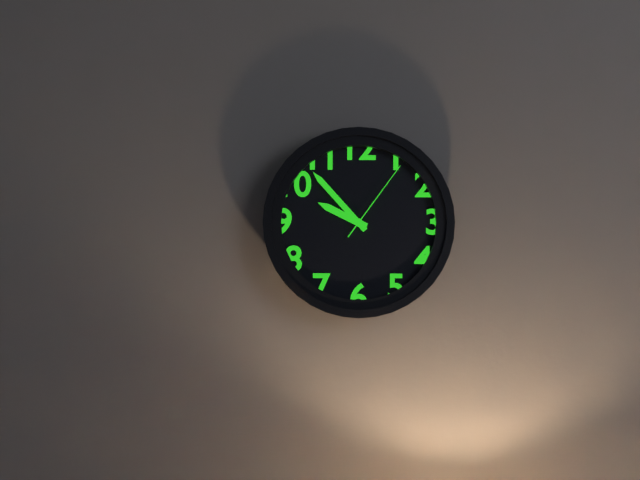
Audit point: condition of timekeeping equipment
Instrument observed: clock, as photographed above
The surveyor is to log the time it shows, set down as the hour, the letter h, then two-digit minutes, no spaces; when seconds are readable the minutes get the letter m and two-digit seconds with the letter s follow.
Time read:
9h53m06s
